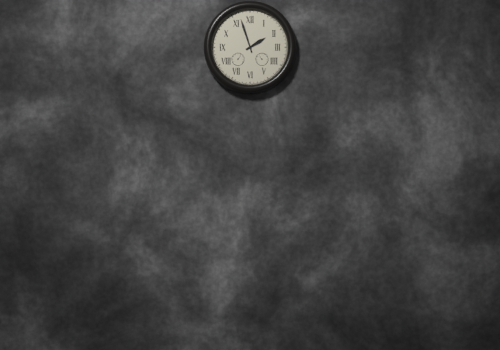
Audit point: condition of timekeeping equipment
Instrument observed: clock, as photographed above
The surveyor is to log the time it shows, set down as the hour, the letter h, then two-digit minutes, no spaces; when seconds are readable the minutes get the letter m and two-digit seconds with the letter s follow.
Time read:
1h57
